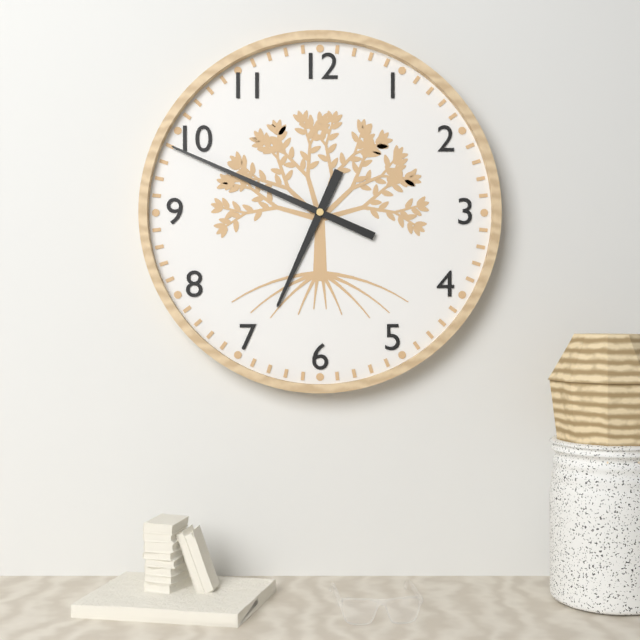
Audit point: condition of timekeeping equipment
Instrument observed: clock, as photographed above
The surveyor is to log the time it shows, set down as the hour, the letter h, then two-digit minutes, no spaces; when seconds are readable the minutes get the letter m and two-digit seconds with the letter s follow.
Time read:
6h49
